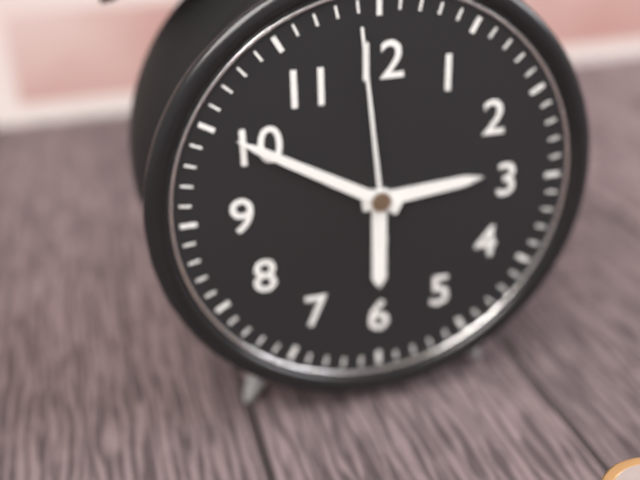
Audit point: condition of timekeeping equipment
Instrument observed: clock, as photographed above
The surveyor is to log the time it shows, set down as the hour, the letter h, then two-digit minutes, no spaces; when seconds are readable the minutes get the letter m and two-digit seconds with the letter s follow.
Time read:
2h50m59s
